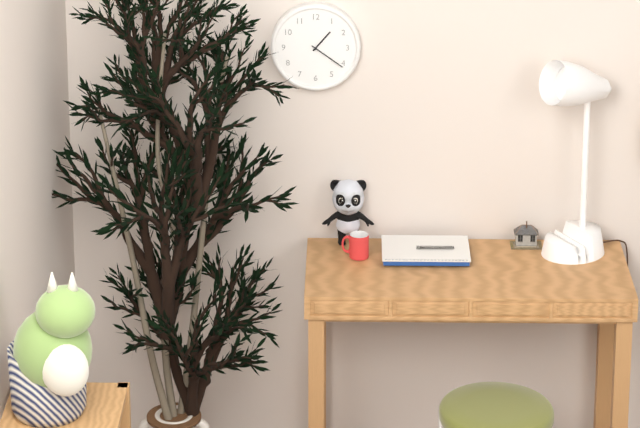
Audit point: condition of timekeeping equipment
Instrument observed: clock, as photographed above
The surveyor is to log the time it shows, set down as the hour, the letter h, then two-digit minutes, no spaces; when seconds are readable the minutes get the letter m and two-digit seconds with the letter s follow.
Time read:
1h21
